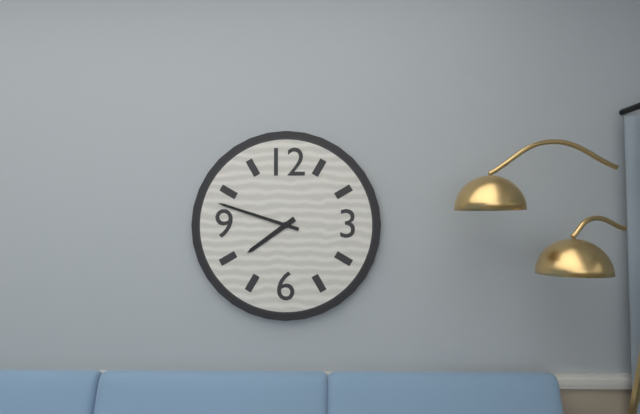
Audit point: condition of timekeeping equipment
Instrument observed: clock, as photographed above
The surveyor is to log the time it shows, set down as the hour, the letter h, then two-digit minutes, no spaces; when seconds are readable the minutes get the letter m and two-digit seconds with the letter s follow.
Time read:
7h48
